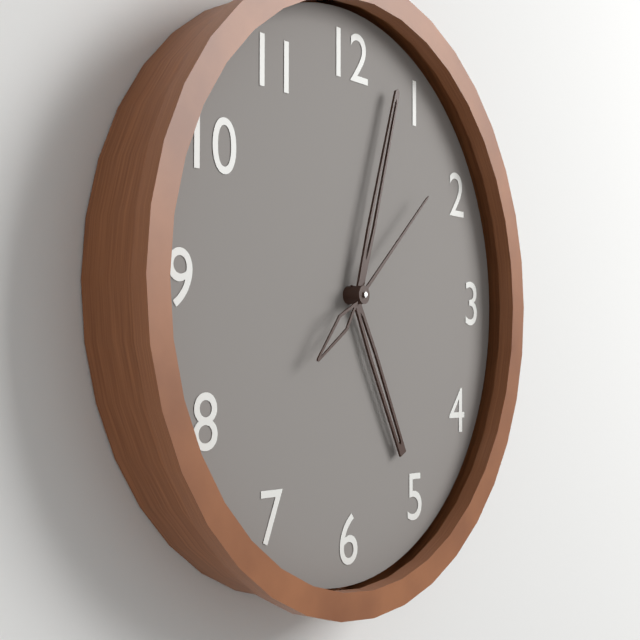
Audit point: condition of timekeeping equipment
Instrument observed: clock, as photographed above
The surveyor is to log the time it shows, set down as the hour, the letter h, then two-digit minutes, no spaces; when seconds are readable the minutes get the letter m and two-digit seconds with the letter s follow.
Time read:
5h03m08s
